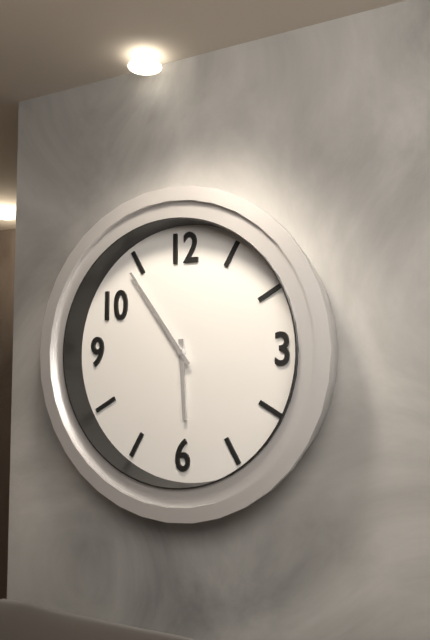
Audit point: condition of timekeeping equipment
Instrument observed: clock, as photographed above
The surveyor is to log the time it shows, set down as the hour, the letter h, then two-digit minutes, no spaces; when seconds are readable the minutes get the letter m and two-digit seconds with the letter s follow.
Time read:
5h54
